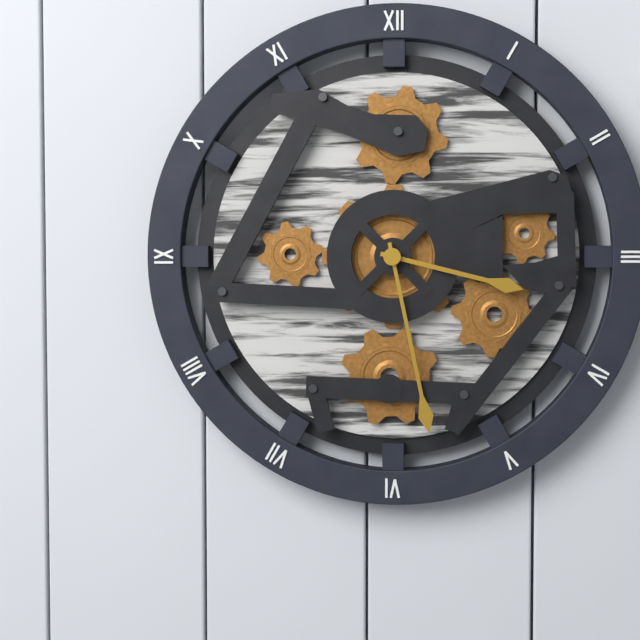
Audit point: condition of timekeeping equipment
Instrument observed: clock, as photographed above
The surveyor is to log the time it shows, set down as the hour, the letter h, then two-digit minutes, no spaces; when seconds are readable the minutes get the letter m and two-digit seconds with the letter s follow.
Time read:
3h28
